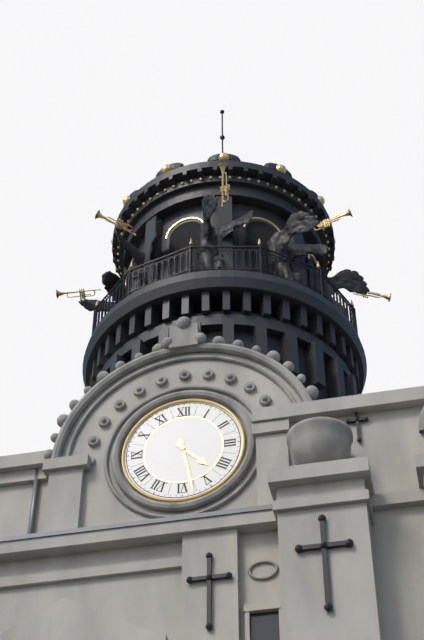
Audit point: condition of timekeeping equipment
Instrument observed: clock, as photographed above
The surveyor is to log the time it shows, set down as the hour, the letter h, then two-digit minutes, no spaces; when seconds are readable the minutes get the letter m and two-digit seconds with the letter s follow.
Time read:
4h28
